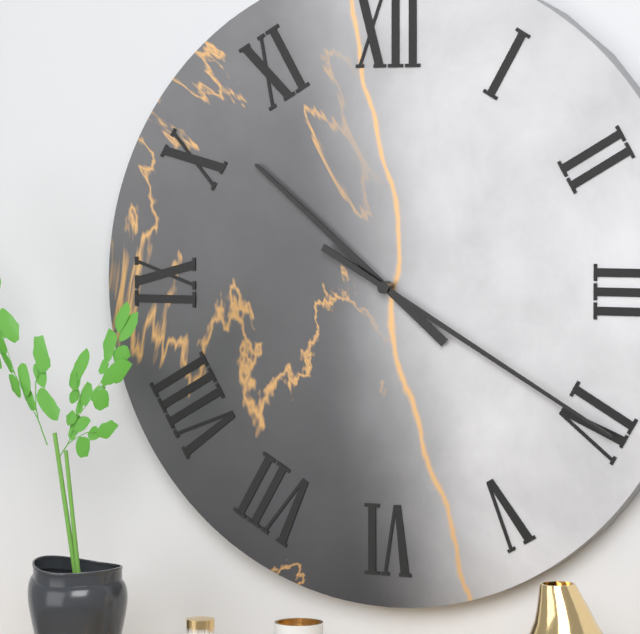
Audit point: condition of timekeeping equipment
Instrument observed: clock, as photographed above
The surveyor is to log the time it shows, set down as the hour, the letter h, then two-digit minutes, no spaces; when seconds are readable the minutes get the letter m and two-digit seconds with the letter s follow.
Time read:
10h20
